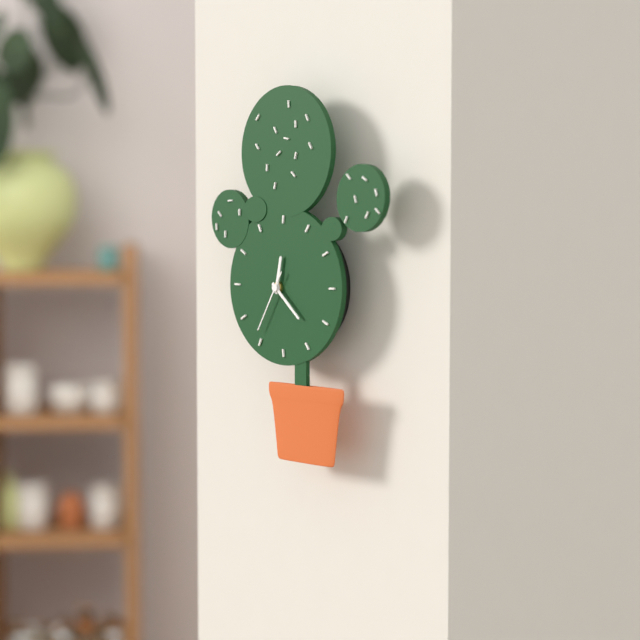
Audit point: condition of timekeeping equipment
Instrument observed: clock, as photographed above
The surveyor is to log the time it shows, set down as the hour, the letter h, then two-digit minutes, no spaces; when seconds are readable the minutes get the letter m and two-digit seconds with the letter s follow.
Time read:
12h22m35s
